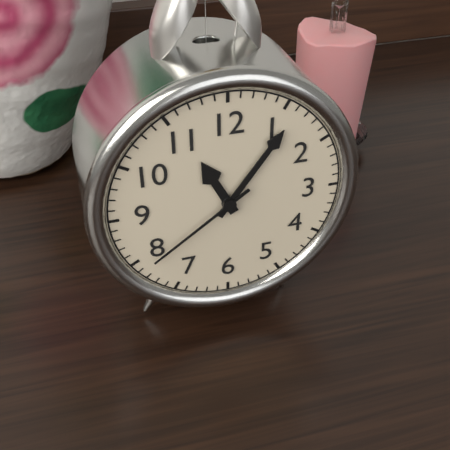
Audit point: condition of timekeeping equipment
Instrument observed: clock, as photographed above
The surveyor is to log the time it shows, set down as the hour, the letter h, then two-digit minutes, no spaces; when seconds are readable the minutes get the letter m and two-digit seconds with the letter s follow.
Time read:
11h06m39s
